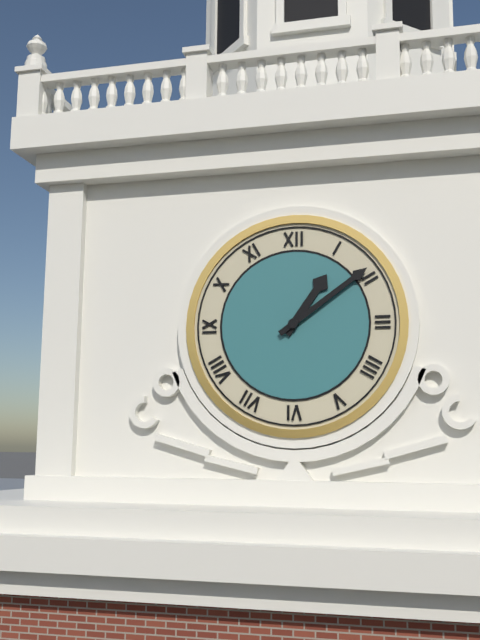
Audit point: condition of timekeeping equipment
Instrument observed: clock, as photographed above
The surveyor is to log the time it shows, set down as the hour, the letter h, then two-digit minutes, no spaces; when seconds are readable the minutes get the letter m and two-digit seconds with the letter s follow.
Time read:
1h09
